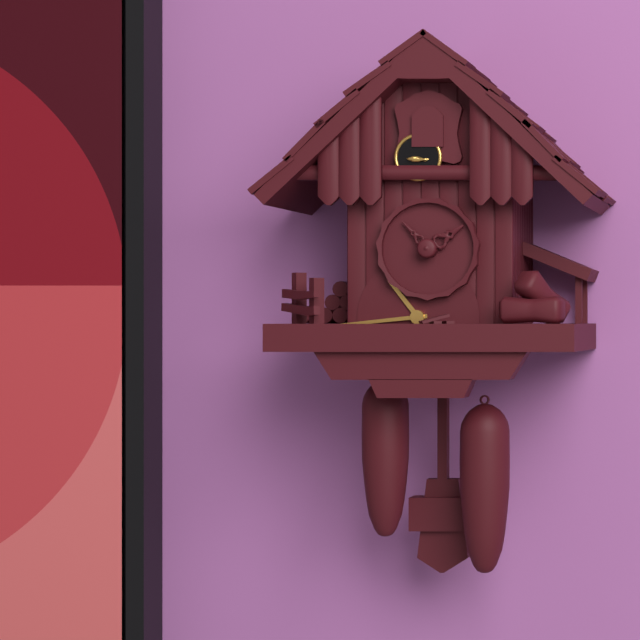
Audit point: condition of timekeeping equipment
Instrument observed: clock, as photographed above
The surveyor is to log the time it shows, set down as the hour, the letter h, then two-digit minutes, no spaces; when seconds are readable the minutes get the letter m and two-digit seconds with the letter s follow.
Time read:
10h44
